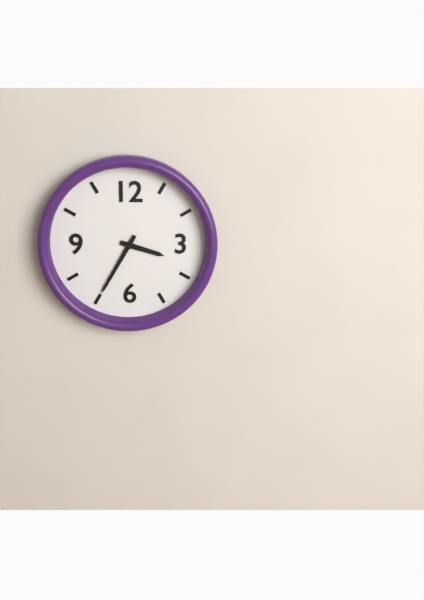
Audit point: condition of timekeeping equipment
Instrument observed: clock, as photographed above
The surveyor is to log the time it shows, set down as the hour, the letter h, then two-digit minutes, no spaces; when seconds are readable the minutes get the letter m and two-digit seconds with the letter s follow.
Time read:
3h35
